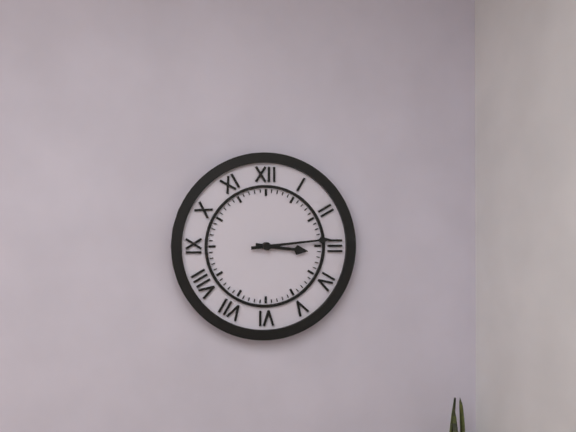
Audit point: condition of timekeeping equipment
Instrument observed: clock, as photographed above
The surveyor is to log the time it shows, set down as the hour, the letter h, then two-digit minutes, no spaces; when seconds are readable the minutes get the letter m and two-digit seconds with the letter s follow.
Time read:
3h14
